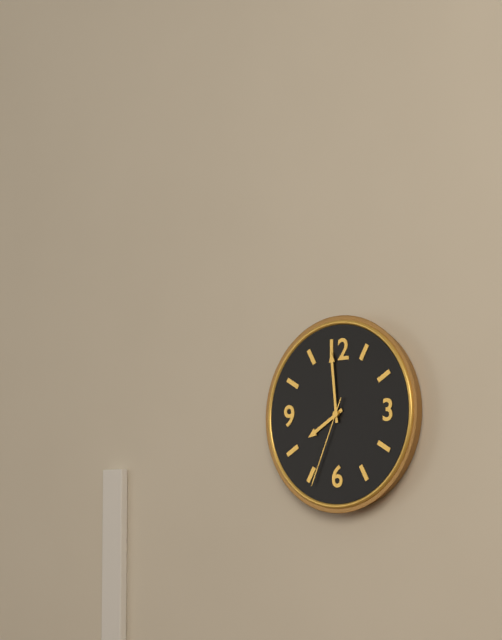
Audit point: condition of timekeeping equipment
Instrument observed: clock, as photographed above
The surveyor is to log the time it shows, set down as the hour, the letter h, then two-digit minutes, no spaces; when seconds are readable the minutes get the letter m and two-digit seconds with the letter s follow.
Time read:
7h59m34s
